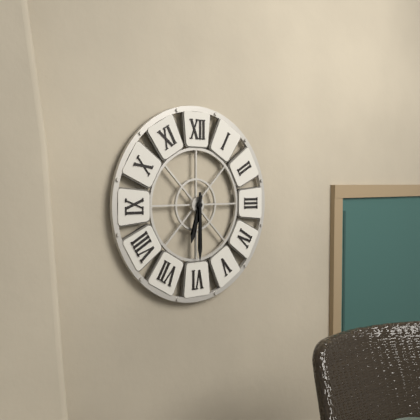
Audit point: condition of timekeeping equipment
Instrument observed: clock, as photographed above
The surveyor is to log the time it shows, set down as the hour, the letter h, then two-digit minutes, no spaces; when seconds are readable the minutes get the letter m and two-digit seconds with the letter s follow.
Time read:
6h30
